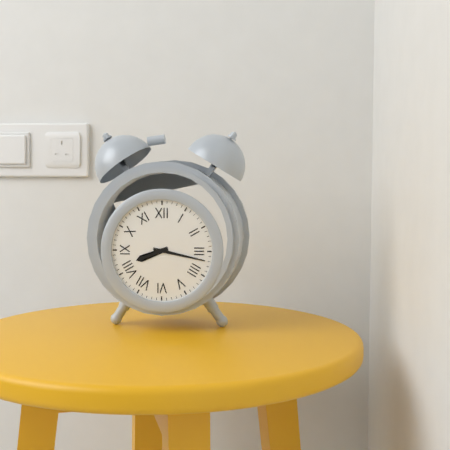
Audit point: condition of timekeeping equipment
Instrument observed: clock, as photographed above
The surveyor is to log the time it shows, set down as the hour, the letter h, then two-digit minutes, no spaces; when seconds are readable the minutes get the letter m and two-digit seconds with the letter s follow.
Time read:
8h17
